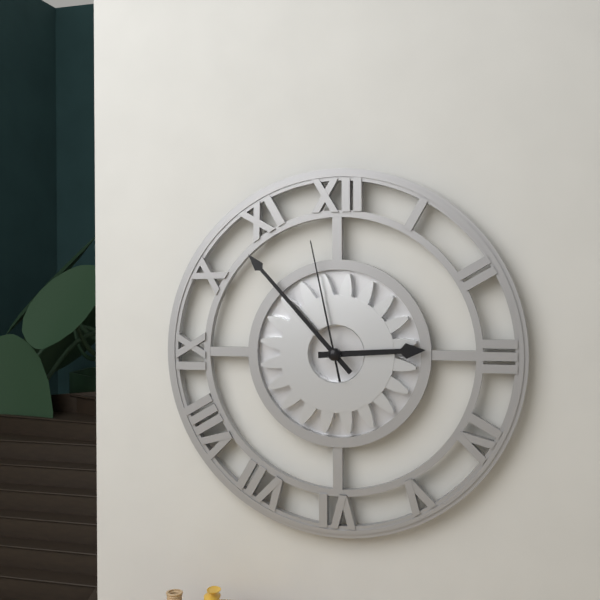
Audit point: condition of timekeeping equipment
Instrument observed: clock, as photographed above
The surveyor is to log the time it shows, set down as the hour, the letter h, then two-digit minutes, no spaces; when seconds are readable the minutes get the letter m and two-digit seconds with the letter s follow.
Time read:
2h53m58s
